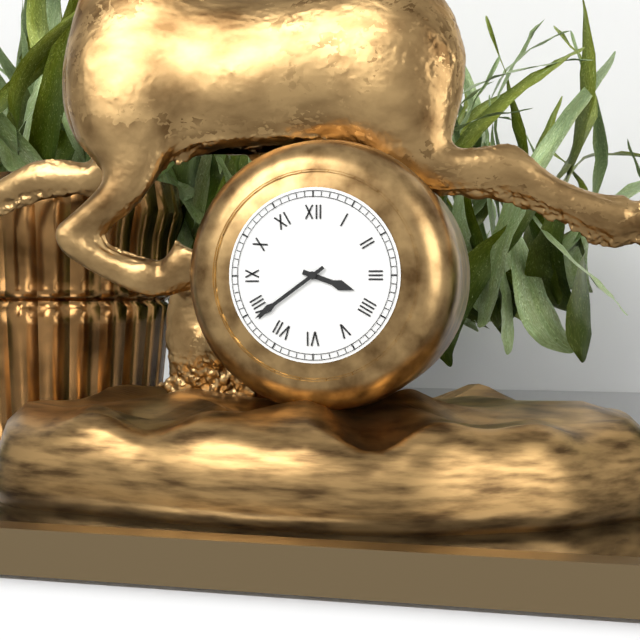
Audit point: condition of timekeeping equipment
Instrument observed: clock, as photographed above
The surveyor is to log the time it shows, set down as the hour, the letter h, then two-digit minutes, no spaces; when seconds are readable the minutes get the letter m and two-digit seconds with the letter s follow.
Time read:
3h39
